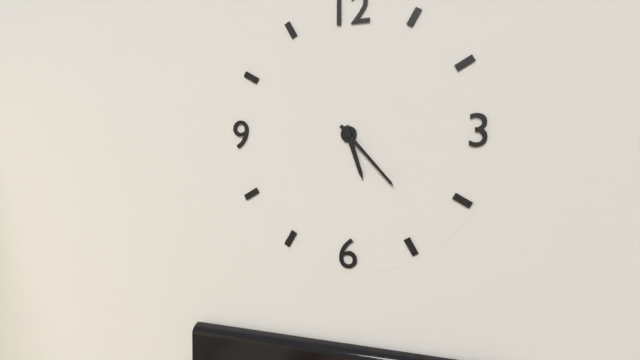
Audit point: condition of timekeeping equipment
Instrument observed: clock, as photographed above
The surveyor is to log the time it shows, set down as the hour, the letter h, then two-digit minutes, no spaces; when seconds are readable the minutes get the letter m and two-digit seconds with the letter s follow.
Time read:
5h23
